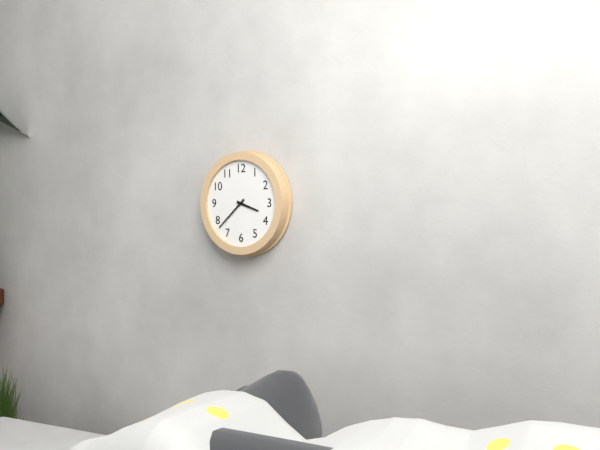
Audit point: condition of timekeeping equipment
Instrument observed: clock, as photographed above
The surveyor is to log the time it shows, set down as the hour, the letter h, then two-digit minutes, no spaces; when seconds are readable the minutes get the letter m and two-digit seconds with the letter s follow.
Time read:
3h38
